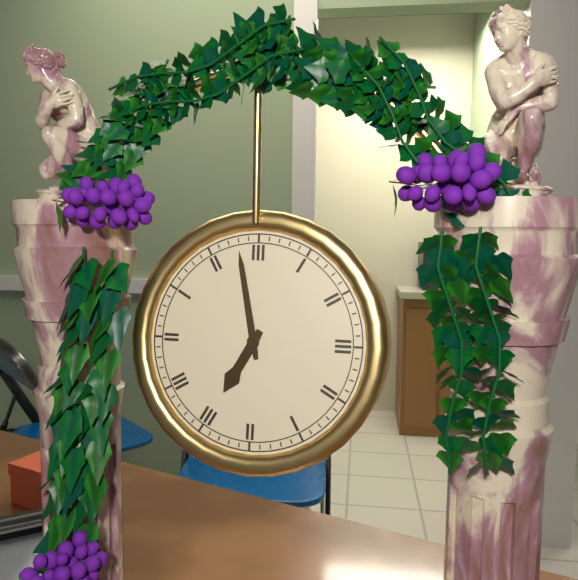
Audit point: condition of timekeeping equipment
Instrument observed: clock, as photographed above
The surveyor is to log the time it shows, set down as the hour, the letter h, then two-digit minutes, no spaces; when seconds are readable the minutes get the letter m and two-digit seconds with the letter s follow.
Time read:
6h58
